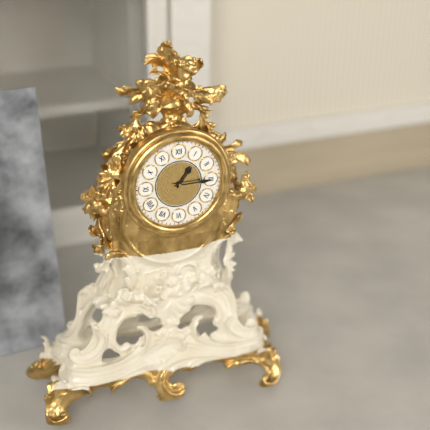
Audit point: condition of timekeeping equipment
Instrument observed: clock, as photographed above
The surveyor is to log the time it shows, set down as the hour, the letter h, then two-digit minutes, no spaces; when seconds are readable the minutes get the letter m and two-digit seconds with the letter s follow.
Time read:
1h15
